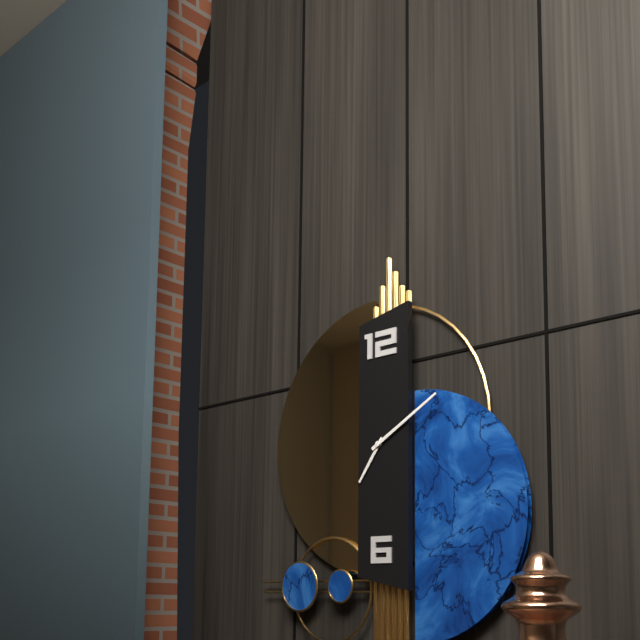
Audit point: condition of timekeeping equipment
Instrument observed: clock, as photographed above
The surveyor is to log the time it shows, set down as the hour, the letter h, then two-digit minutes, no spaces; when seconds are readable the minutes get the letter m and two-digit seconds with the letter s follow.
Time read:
7h10
